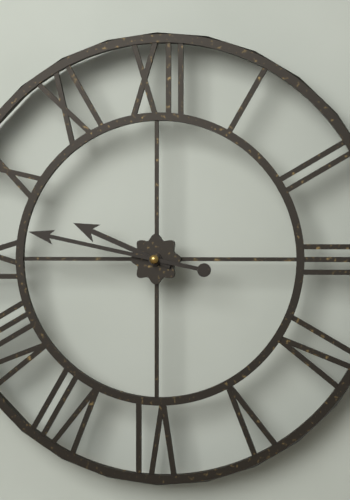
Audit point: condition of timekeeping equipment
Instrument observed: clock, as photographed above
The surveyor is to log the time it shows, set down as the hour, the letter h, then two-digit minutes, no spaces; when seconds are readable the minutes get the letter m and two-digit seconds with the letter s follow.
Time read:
9h47
